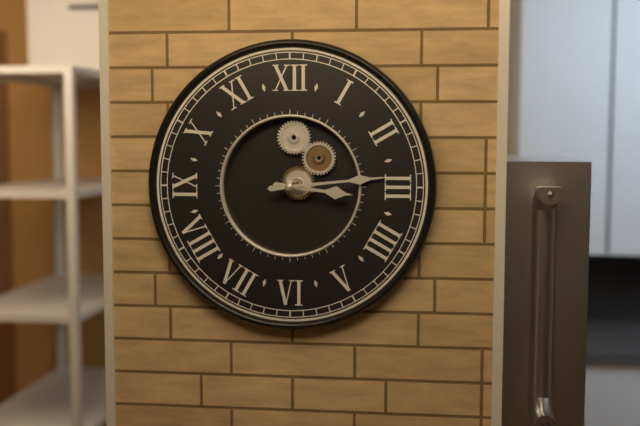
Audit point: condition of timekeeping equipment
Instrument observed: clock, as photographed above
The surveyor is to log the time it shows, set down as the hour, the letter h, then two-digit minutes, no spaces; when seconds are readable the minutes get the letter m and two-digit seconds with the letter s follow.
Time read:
3h14
